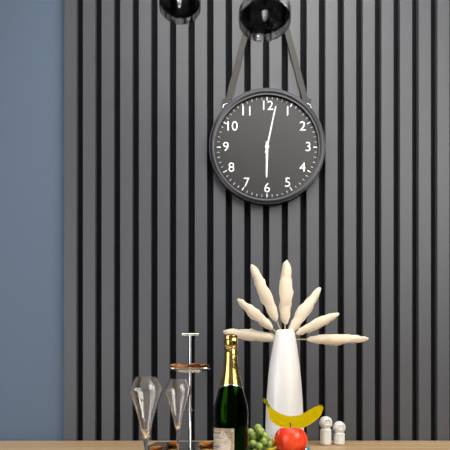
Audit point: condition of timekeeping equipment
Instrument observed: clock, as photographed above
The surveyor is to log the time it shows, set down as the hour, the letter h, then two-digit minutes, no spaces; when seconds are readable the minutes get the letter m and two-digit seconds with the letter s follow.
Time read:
6h02
